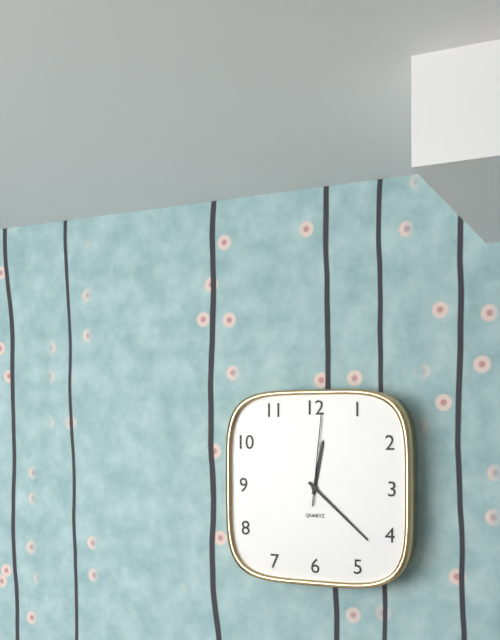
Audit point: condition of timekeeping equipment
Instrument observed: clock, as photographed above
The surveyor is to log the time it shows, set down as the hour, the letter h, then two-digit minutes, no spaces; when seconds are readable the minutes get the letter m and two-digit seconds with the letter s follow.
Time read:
12h22m01s
